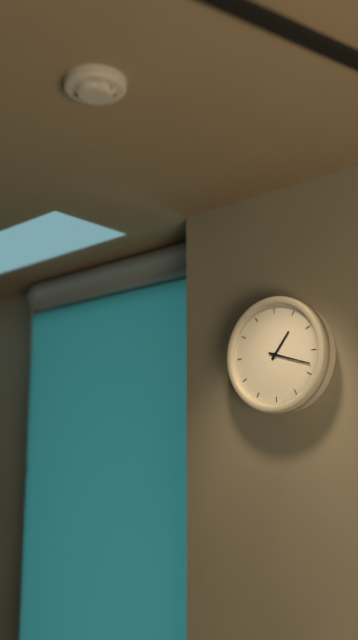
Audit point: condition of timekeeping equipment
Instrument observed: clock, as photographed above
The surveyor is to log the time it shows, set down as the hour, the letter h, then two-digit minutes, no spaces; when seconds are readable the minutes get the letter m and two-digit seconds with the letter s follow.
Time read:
1h18
